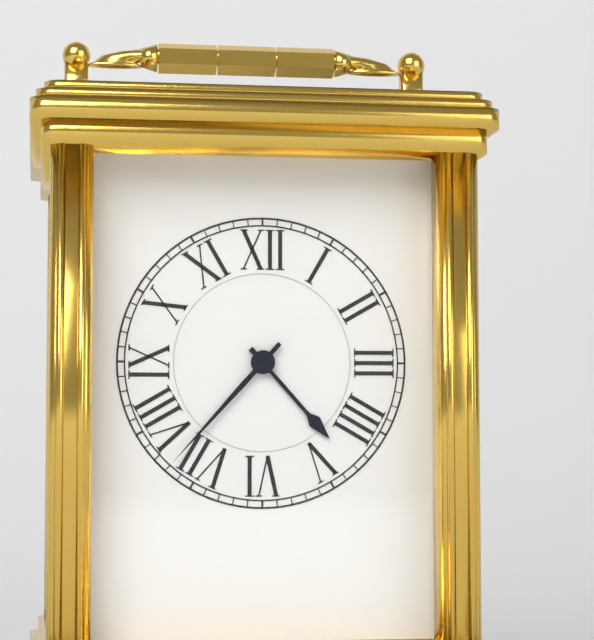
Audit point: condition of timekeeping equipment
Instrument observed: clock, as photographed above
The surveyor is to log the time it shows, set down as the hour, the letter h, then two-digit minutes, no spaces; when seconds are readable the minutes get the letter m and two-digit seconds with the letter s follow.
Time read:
4h37
